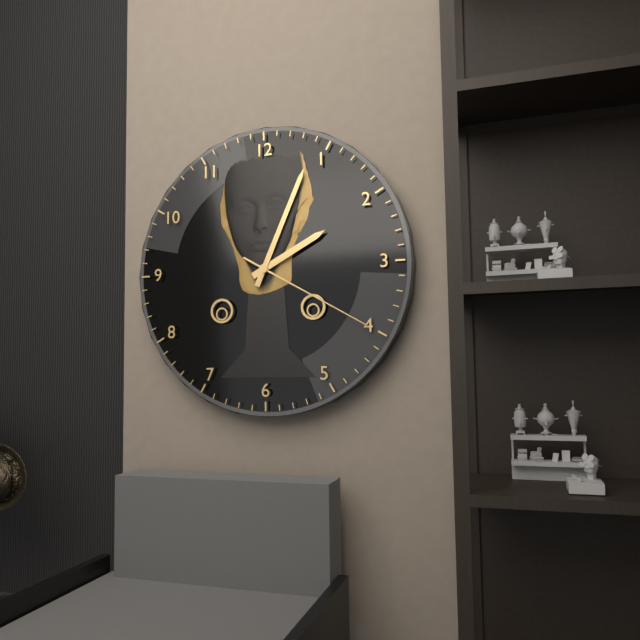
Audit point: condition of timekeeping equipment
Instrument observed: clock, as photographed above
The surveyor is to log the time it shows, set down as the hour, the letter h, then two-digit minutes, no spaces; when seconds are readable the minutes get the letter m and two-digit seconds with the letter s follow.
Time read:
2h04m20s
